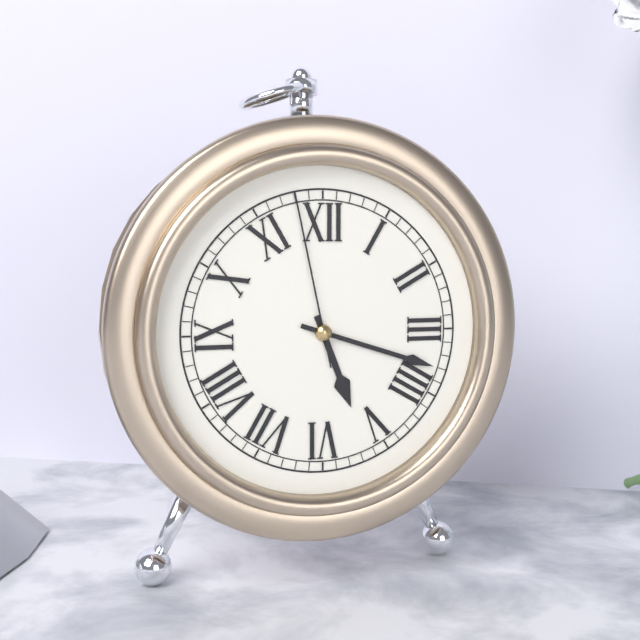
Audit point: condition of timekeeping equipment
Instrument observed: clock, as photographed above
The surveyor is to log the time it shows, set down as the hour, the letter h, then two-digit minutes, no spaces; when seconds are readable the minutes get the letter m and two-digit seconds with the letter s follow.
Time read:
5h18m58s
